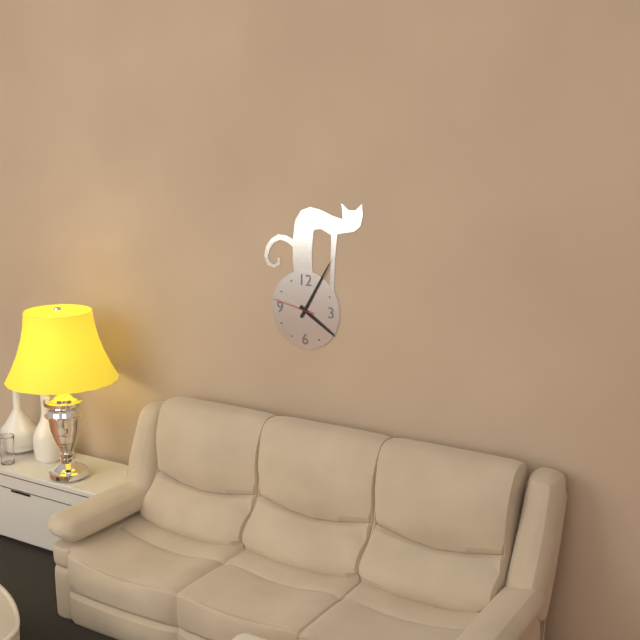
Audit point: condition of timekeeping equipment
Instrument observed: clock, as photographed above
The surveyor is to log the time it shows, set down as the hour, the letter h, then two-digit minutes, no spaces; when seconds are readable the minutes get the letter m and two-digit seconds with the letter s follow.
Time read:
4h05
